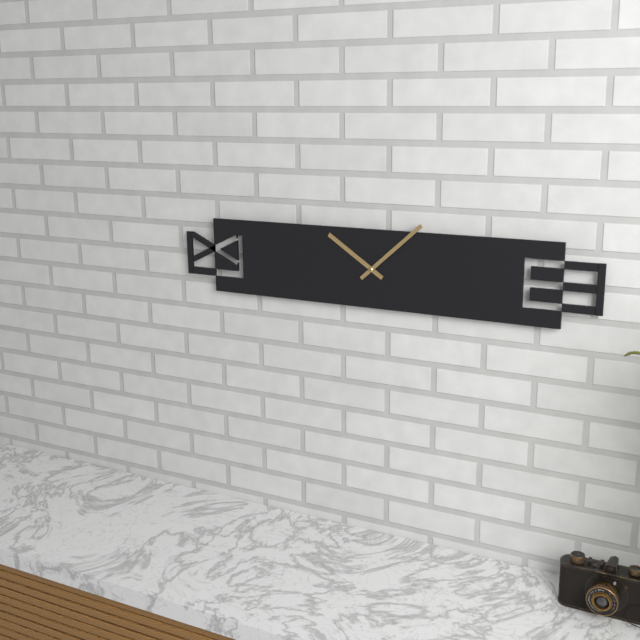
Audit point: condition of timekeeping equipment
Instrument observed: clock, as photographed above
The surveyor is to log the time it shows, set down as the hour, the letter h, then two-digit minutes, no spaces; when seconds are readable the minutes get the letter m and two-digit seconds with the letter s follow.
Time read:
10h08
